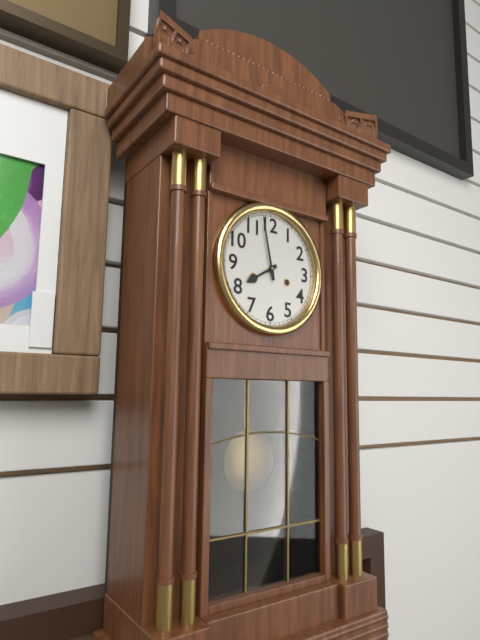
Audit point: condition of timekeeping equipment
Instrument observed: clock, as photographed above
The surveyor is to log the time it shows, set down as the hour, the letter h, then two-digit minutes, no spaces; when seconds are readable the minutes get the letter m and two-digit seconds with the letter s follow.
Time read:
7h58
